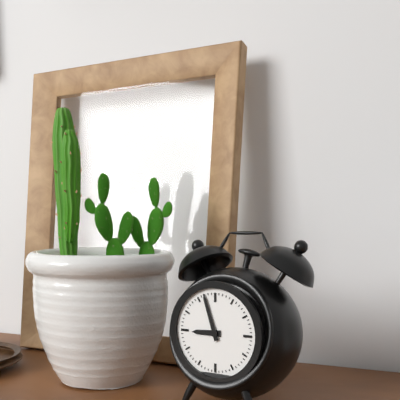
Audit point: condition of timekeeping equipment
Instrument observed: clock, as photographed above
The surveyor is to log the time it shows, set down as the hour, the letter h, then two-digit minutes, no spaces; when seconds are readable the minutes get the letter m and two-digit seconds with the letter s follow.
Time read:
8h57
